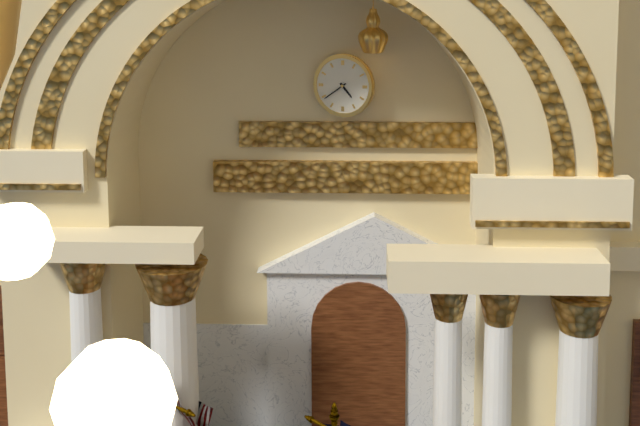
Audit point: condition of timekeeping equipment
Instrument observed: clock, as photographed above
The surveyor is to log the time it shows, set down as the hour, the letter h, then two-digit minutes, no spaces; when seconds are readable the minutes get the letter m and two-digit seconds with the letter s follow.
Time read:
4h39
